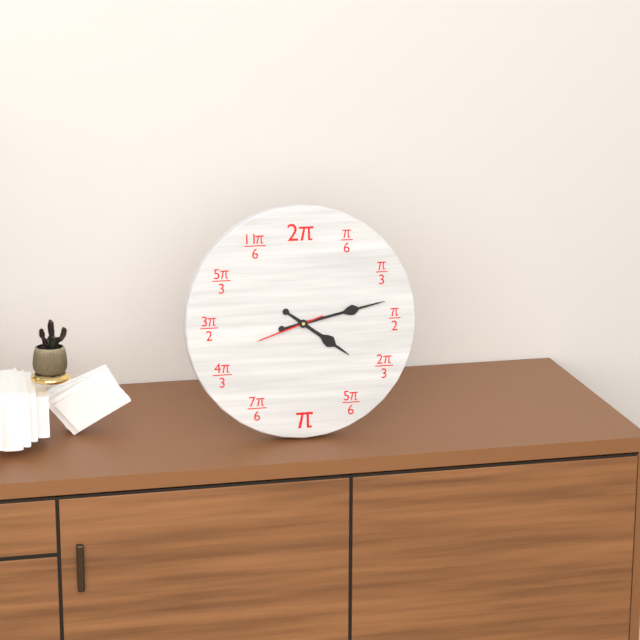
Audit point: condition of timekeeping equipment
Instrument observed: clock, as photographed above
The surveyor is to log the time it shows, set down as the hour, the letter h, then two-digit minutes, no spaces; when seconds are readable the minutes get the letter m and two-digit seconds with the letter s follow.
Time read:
4h13m42s
